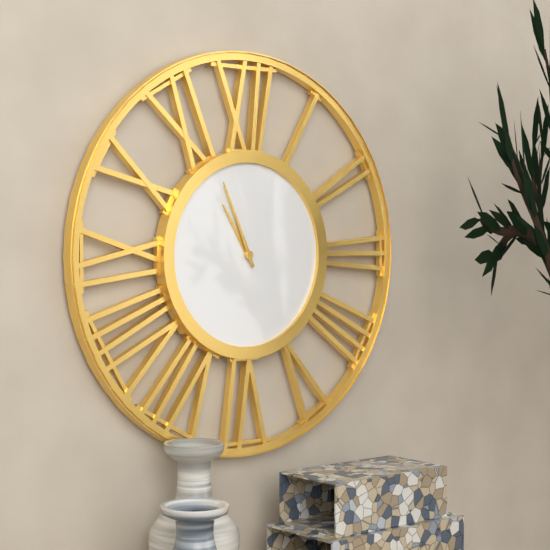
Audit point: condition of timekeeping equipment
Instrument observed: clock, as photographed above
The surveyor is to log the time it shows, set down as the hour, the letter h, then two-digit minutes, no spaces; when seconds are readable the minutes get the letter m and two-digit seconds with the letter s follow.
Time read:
10h56
